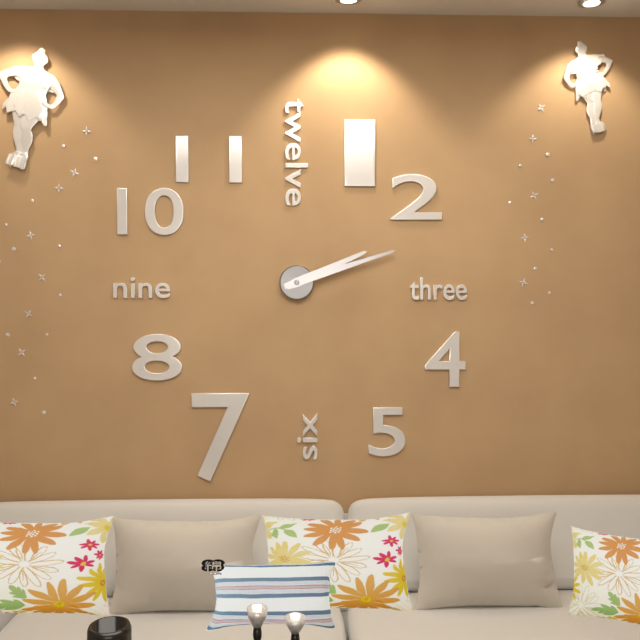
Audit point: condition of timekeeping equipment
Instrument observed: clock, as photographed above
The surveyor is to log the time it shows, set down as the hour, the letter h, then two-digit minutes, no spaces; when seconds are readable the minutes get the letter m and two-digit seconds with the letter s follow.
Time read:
2h12
